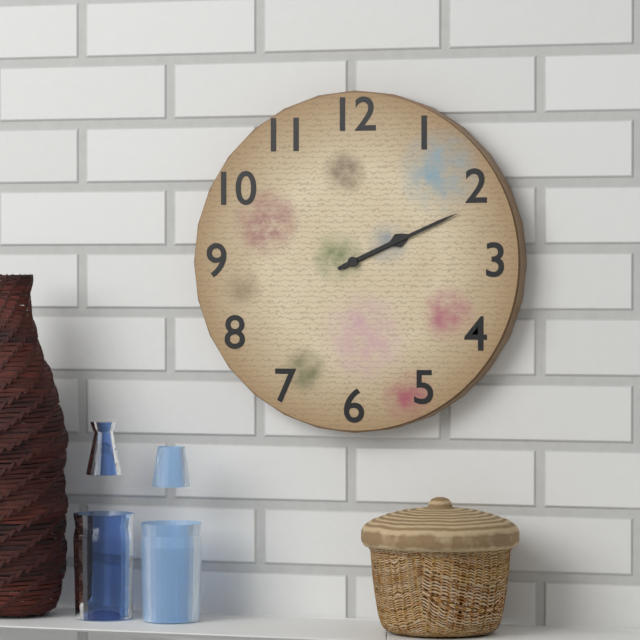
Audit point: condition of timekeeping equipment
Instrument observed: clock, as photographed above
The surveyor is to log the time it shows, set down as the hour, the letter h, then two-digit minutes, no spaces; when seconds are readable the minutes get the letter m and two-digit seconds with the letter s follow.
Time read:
2h11
